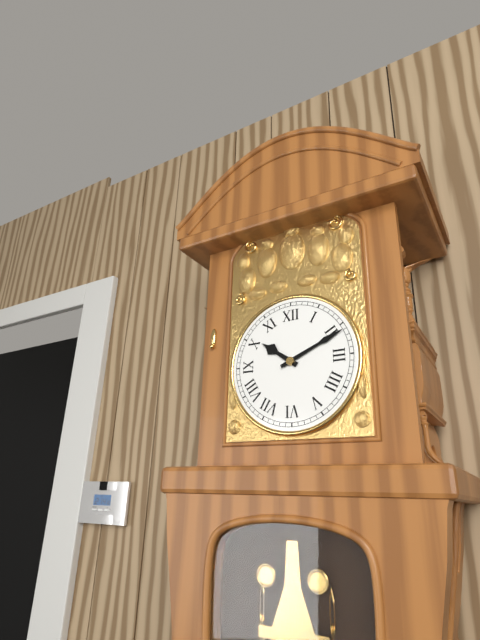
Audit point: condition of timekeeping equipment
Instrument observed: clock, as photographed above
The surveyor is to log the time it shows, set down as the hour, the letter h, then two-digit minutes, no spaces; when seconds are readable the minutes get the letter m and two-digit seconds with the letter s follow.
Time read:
10h11
